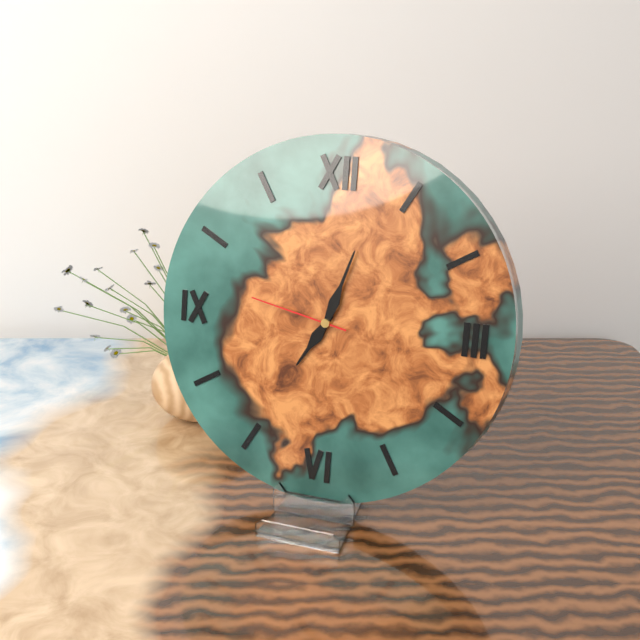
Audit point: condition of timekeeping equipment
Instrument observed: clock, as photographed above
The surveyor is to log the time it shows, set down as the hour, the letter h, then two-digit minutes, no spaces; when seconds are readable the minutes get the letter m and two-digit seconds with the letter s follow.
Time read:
7h03m47s
